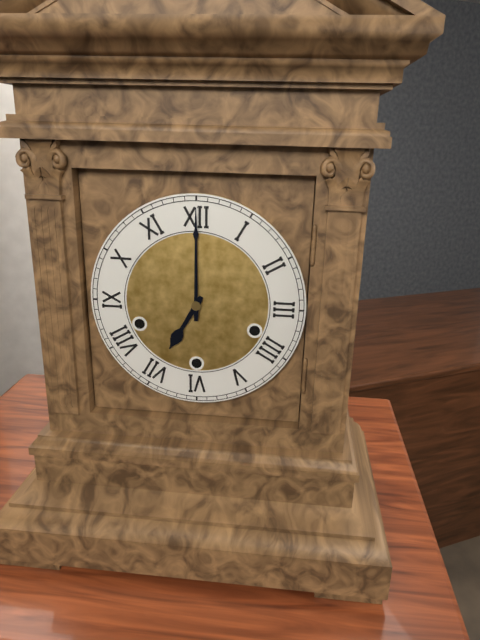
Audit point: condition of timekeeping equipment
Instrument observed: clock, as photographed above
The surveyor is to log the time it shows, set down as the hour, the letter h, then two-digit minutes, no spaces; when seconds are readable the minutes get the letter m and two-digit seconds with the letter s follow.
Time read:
7h00
